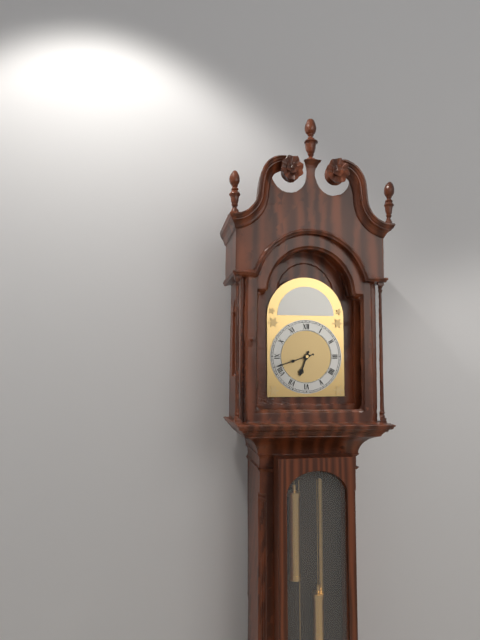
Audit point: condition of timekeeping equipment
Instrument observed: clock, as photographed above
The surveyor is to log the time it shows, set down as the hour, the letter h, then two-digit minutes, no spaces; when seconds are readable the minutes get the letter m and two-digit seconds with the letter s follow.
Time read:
6h42
